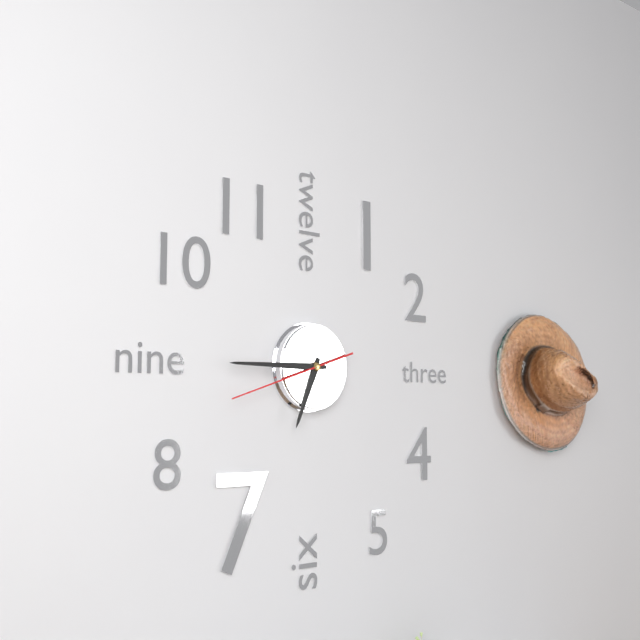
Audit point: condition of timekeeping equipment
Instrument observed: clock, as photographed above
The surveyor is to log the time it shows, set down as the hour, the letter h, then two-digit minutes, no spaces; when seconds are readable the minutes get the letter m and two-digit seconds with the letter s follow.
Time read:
6h45m42s
